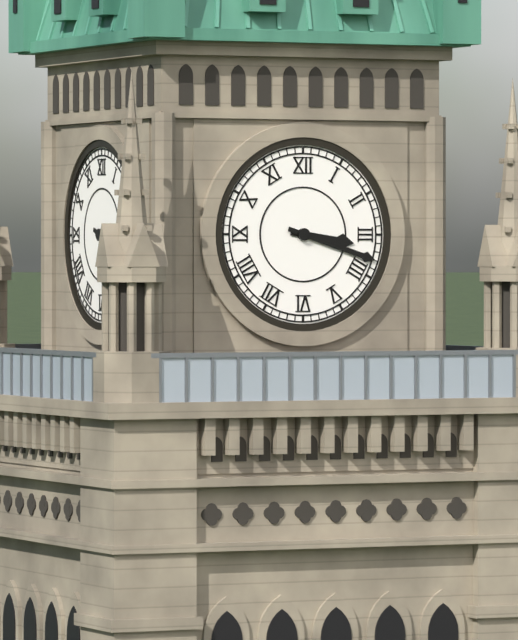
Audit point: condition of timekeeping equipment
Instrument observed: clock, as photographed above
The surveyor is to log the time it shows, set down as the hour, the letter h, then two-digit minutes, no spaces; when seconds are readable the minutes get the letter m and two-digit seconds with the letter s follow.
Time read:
3h18
